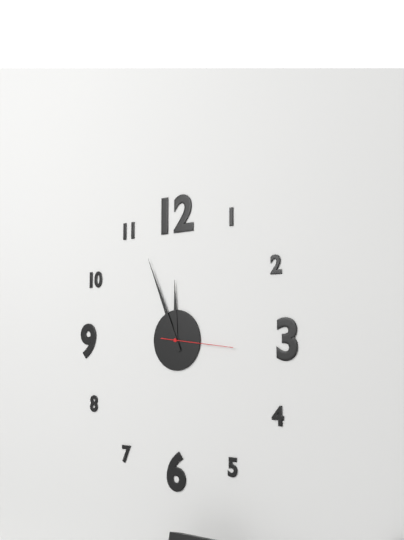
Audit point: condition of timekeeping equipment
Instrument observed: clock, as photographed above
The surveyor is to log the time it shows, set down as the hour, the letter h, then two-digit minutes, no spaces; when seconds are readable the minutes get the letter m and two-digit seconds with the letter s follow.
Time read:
11h56m16s
